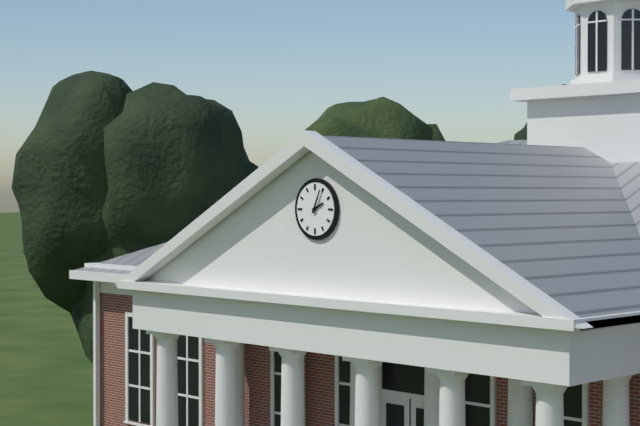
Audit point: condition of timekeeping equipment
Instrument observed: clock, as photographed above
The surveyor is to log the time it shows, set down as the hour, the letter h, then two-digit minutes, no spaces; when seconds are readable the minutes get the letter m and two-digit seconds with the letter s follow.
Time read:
2h04
